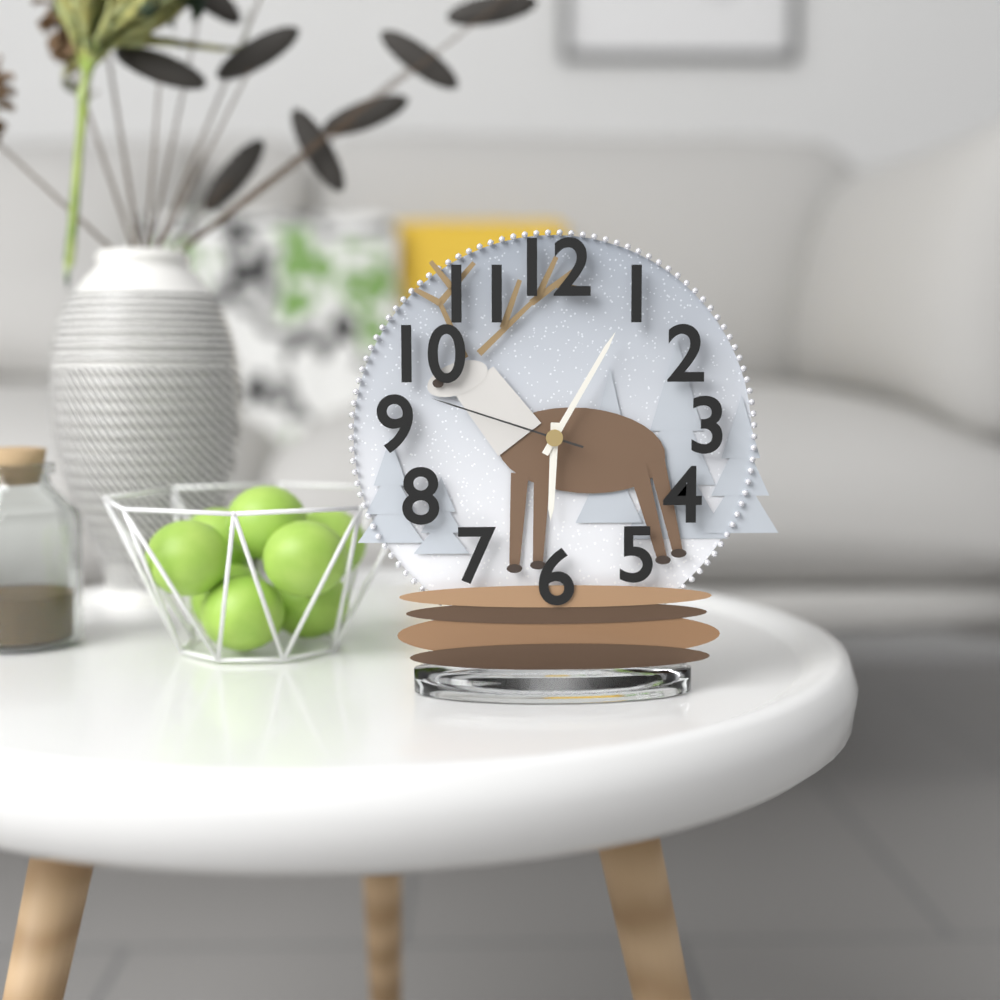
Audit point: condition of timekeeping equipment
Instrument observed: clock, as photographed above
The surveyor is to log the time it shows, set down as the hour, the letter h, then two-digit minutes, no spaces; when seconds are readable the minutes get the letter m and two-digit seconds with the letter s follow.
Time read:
6h05m48s
